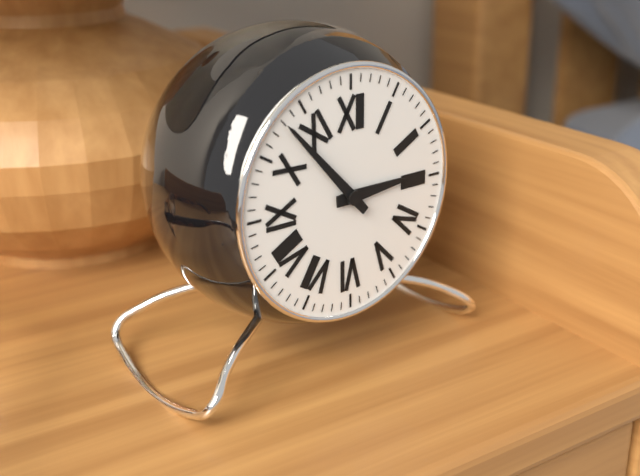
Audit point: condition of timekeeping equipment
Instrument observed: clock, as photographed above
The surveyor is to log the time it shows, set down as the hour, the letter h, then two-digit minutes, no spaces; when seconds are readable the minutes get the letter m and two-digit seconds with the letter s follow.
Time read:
2h53
